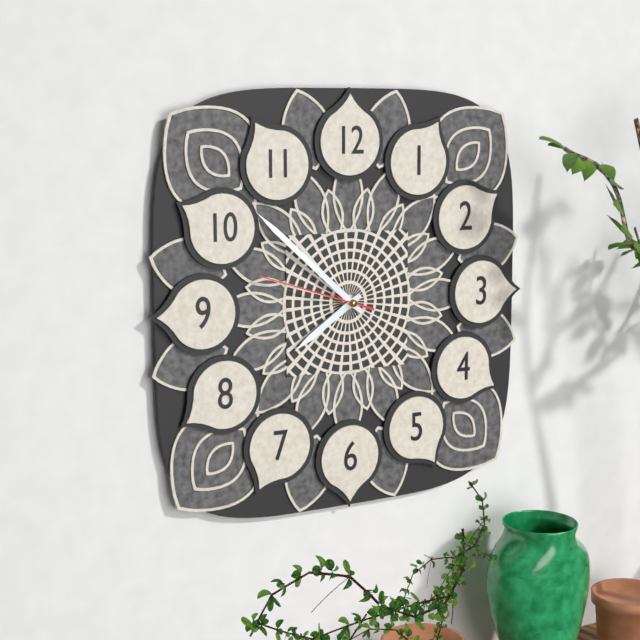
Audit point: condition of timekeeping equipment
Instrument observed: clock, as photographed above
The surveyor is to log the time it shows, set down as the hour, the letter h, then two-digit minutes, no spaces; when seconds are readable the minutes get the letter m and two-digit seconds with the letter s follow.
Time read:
7h52m48s
